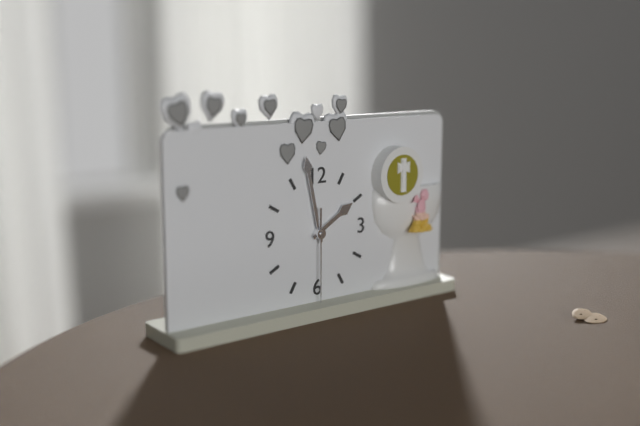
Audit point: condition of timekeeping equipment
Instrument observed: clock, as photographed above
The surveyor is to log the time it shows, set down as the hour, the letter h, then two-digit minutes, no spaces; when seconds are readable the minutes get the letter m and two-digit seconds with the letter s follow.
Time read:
1h58m30s
